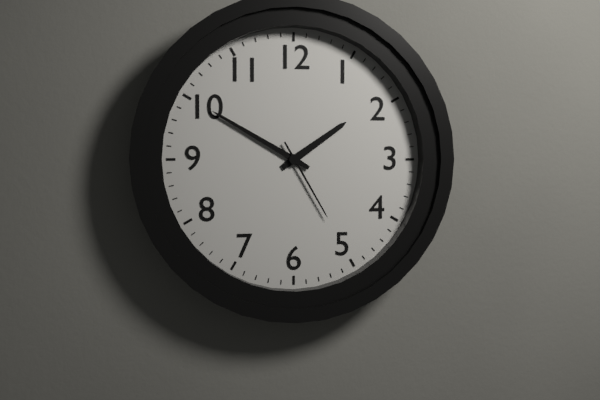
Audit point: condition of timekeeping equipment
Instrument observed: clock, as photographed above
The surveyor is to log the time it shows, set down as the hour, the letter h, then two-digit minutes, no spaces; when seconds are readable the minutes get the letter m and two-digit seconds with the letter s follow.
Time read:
1h50m25s
